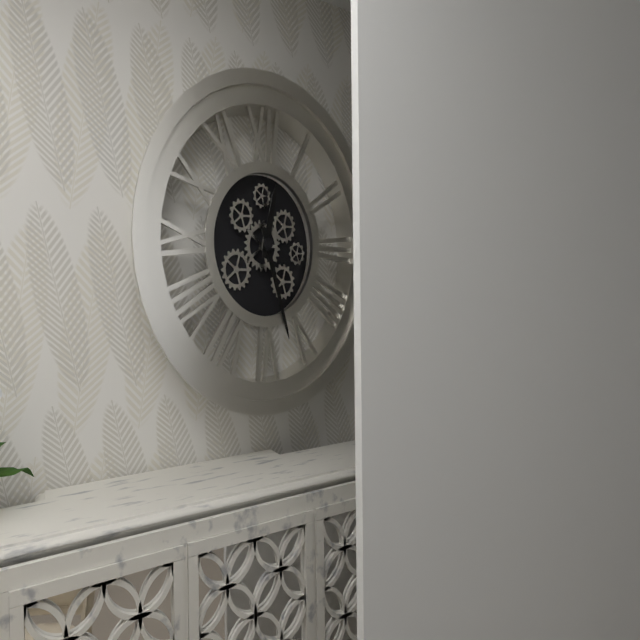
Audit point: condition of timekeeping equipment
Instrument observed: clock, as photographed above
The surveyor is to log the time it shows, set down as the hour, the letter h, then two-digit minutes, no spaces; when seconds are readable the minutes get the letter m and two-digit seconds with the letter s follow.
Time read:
12h27
